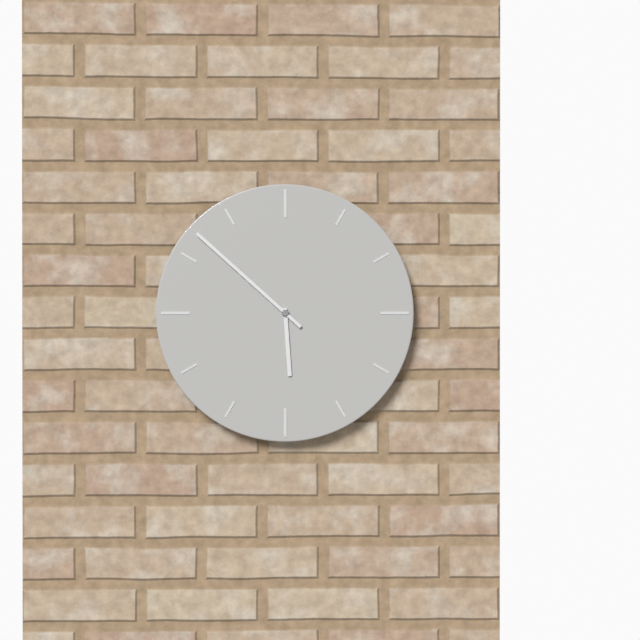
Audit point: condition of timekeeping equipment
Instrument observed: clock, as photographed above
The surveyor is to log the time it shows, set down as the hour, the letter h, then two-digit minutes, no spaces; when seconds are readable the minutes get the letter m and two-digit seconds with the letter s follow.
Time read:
5h52
